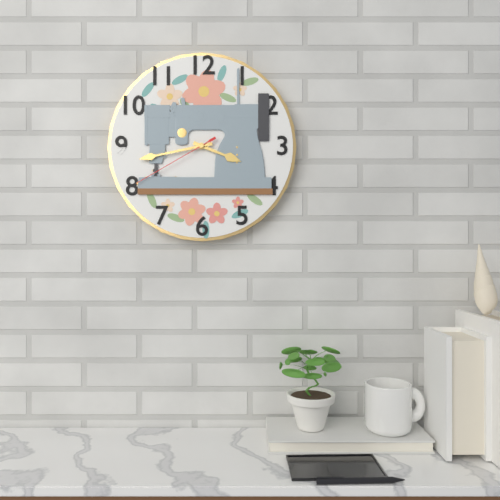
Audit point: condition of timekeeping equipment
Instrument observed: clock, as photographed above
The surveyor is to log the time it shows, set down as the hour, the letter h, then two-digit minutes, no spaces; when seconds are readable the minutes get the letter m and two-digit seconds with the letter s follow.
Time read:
3h43m40s
